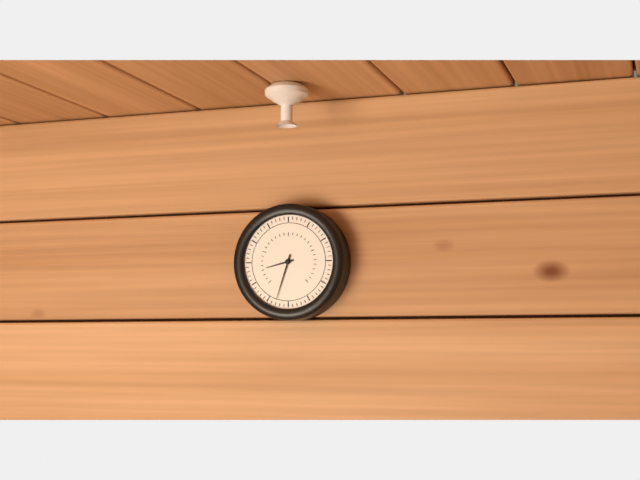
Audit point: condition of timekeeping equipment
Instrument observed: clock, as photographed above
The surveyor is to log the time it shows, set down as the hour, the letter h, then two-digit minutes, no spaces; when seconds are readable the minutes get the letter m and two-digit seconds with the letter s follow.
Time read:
8h33
